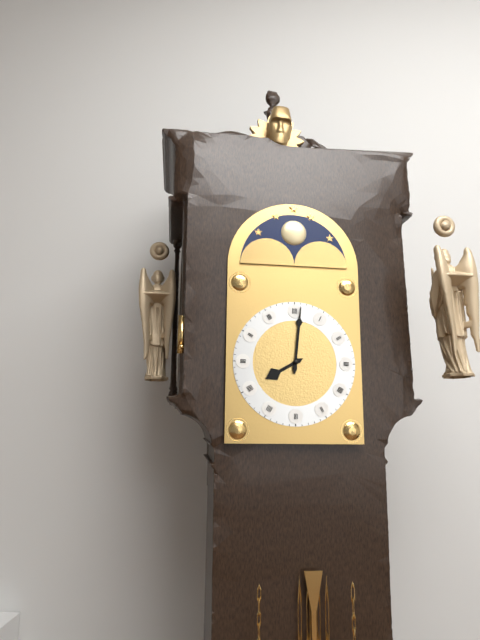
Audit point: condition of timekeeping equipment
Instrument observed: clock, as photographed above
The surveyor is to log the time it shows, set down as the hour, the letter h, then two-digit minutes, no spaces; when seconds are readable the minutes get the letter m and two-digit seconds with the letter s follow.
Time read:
8h01
